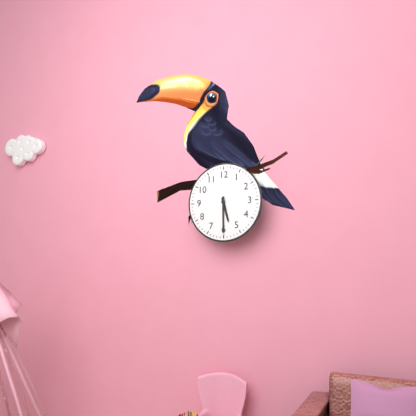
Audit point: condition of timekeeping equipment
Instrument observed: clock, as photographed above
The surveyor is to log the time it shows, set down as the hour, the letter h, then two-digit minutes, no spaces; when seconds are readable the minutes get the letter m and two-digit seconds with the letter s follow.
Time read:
5h30
